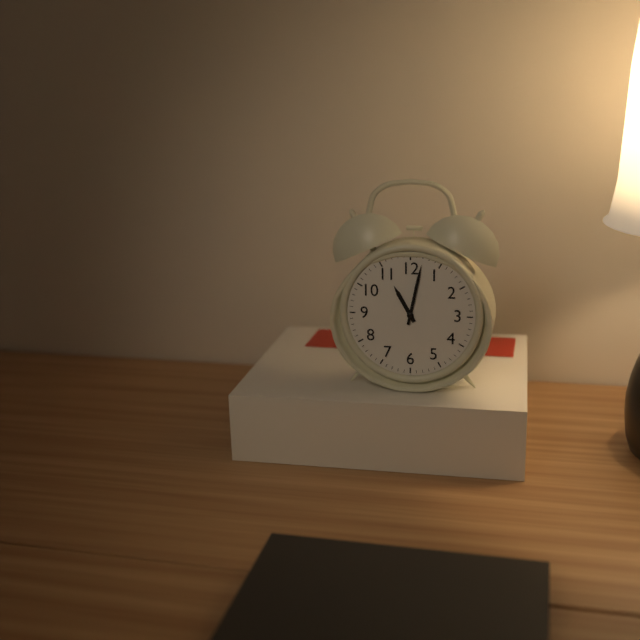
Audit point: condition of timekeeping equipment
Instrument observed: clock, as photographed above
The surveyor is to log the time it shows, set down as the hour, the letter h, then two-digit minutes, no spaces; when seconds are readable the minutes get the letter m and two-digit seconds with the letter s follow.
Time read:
11h02
